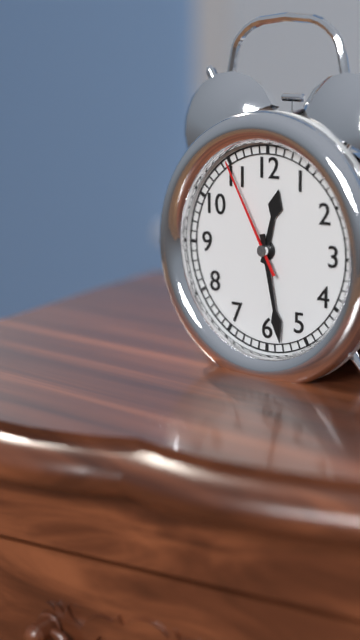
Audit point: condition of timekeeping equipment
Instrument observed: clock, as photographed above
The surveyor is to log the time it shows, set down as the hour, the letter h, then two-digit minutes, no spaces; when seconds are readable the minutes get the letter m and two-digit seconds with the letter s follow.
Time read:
12h28m55s
